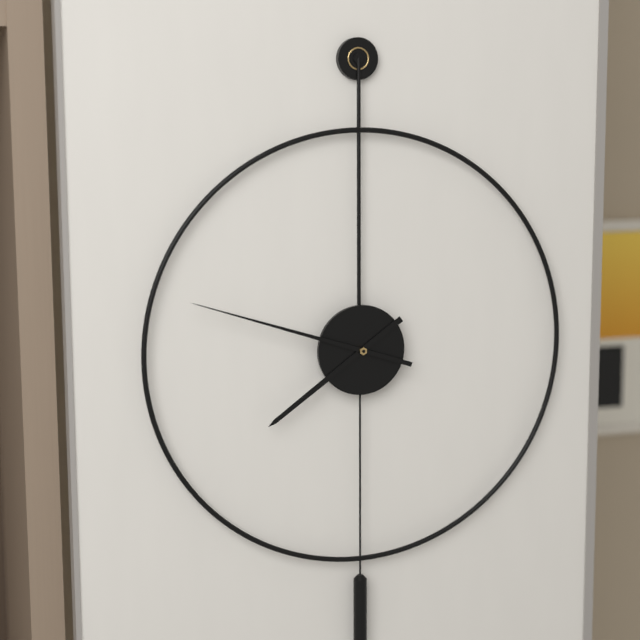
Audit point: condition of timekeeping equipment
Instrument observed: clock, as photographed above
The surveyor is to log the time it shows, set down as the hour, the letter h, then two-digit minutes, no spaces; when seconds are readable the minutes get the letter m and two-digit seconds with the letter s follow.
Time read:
7h48
